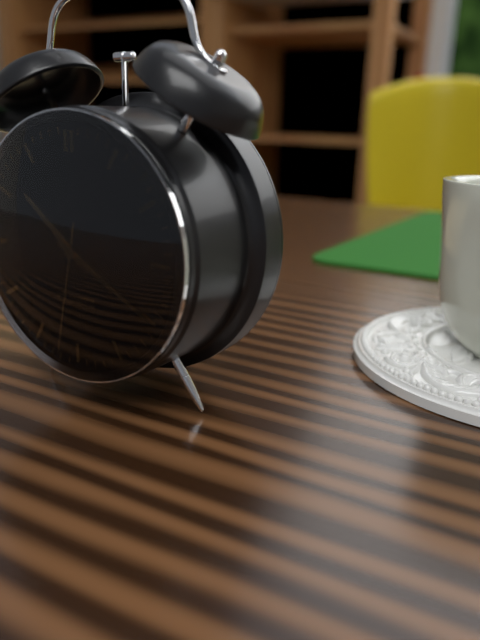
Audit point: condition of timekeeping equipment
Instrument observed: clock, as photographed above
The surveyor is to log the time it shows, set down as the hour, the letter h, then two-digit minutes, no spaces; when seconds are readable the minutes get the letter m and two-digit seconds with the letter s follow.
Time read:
10h20m32s
